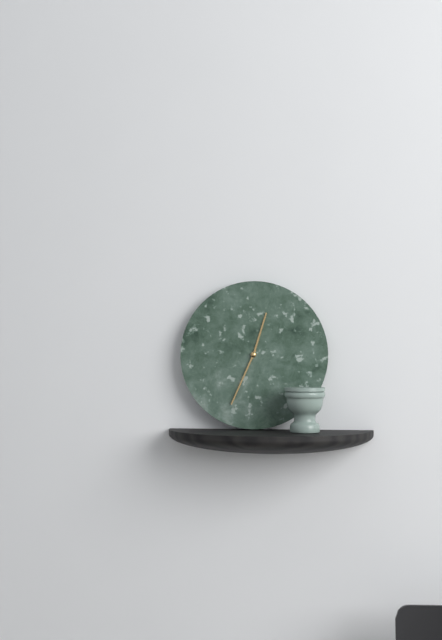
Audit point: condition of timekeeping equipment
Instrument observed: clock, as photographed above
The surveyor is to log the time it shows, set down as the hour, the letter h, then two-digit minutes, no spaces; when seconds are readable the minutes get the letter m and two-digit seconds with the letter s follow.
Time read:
12h34
